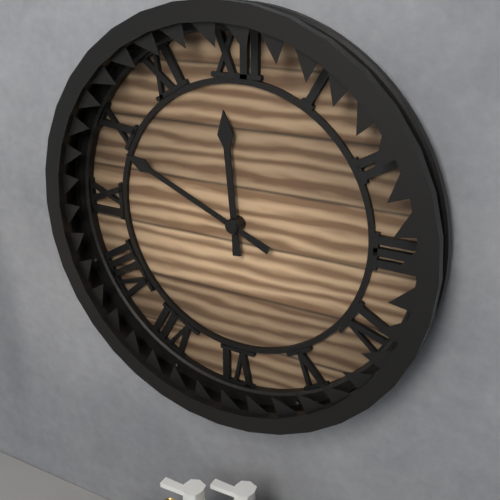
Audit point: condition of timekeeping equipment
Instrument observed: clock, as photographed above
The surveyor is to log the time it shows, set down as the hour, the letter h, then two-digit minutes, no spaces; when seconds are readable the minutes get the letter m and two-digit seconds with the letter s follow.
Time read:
11h49
